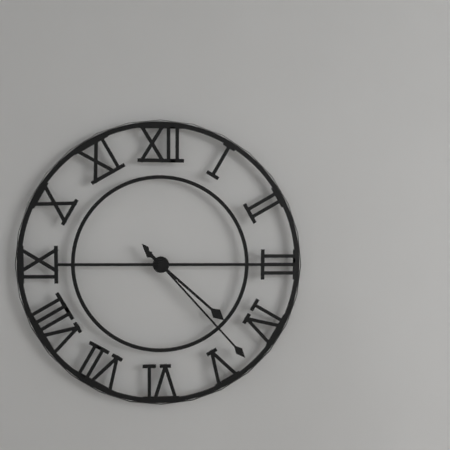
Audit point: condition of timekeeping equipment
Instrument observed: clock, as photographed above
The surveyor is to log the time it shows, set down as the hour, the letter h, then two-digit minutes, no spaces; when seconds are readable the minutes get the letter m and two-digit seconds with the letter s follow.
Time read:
4h23
